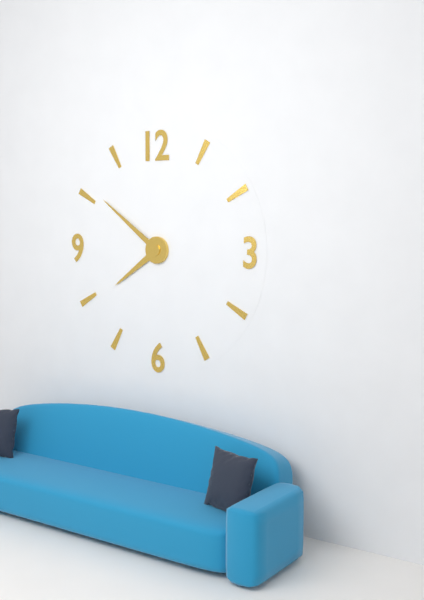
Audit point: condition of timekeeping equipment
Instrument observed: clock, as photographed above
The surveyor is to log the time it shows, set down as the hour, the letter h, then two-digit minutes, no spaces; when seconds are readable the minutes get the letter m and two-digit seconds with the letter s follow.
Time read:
7h51
